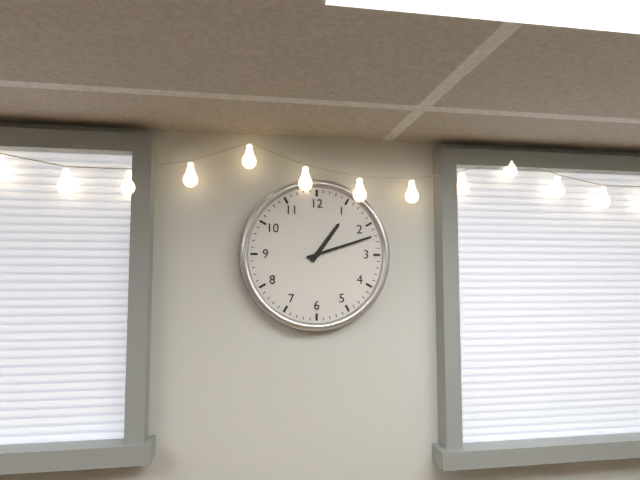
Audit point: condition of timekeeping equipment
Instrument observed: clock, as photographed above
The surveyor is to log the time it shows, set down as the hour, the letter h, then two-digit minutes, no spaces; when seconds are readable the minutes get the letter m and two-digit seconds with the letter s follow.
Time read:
1h12
